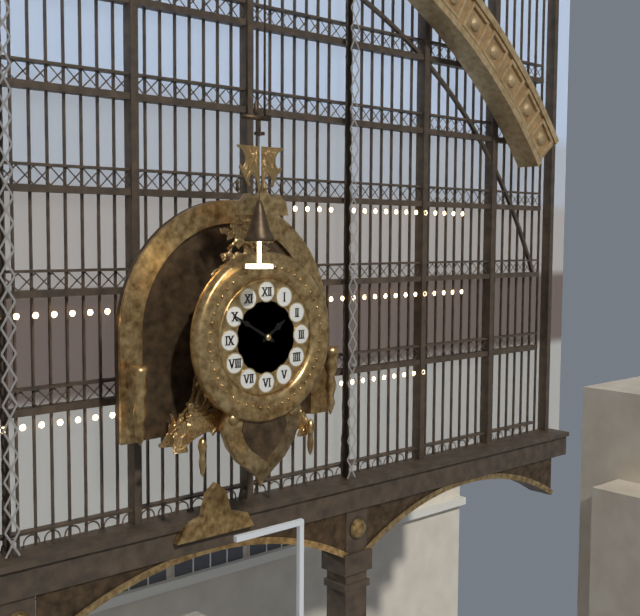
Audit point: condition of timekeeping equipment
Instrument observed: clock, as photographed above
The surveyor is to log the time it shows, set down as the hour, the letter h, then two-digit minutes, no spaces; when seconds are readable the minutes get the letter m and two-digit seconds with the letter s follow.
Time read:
1h50
